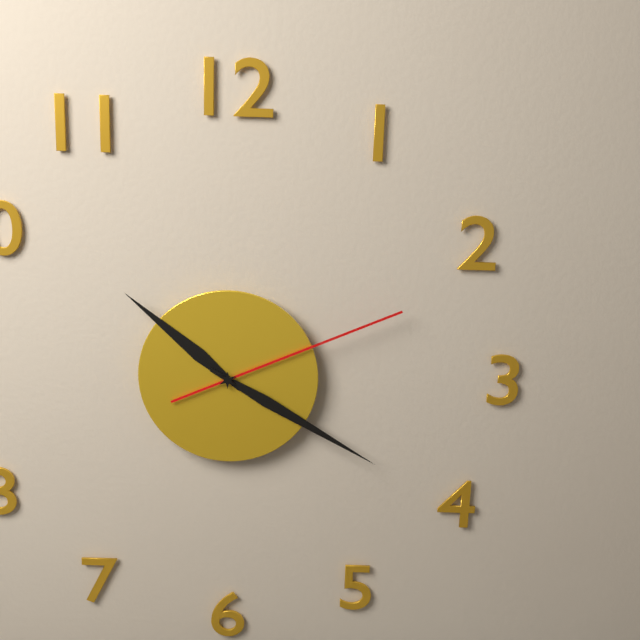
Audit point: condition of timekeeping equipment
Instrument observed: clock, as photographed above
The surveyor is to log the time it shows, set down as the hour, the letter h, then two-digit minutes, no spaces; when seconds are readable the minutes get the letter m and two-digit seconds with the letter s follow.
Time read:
10h20m11s
